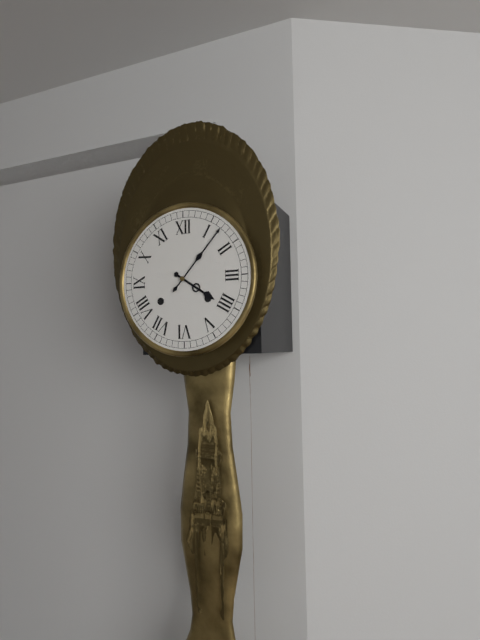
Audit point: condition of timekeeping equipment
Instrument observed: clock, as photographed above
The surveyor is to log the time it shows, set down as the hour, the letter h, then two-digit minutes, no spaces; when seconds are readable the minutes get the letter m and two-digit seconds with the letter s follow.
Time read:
4h07
